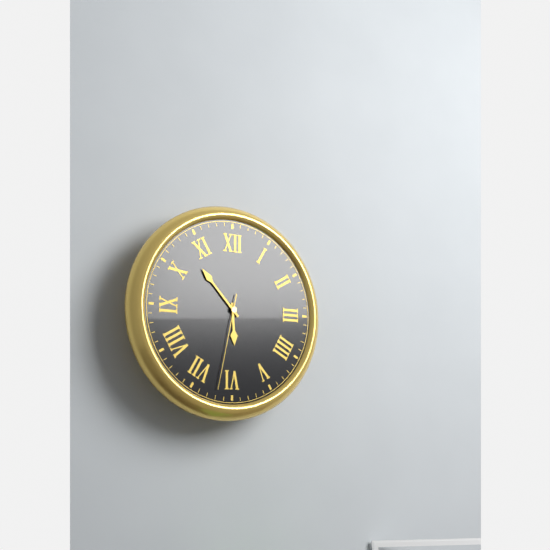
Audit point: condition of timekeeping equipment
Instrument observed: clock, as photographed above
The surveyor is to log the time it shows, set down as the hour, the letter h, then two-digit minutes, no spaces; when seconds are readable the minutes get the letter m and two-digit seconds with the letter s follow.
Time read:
5h53m32s
